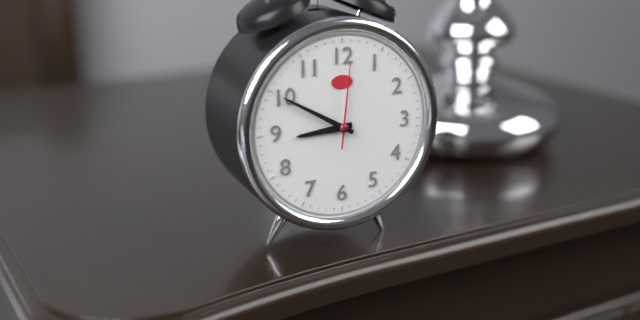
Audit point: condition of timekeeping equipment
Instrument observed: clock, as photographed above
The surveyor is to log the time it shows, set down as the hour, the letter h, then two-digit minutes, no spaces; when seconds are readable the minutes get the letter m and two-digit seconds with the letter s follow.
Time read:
8h50m01s
